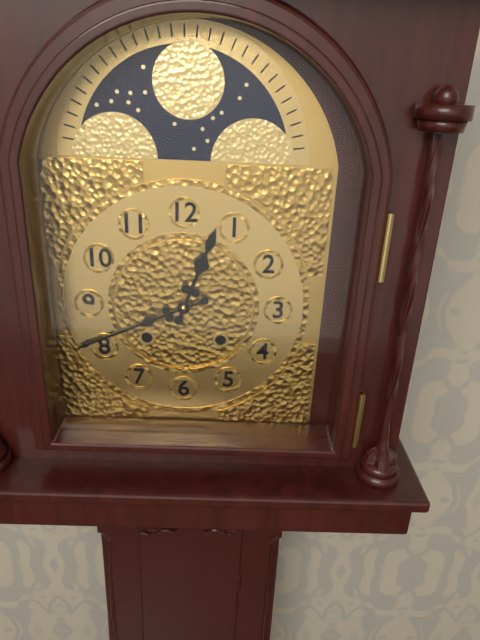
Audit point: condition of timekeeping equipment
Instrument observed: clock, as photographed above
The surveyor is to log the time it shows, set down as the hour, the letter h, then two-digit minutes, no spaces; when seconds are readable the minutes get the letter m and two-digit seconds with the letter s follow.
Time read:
12h41
